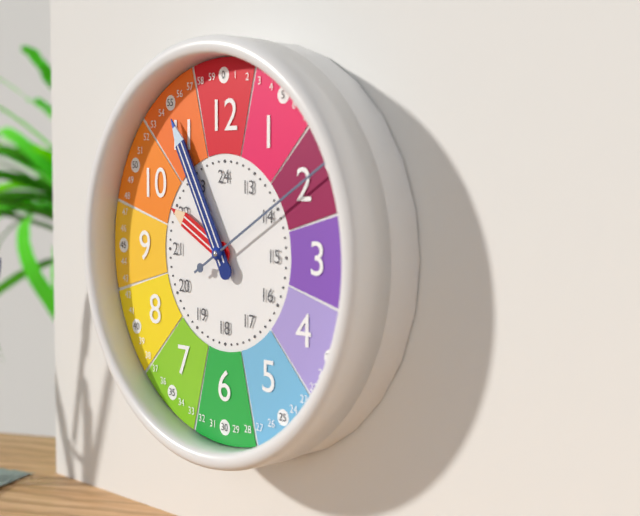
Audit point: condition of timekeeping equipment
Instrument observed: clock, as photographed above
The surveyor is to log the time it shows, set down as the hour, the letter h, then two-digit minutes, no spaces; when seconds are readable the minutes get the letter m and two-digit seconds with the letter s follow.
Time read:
9h55m10s
